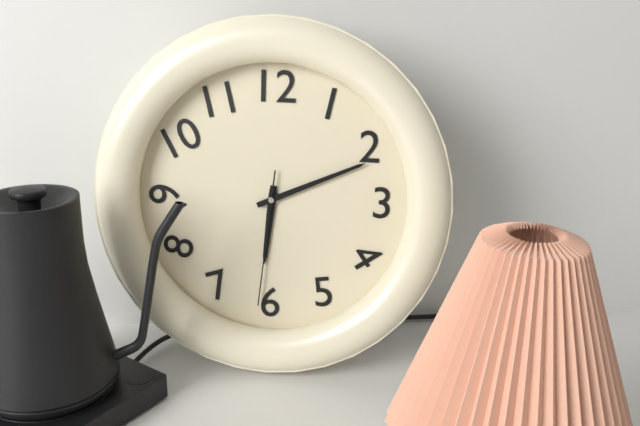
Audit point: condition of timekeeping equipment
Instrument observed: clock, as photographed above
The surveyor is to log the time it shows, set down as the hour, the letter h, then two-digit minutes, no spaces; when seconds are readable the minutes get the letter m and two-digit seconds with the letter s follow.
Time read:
6h11m31s
